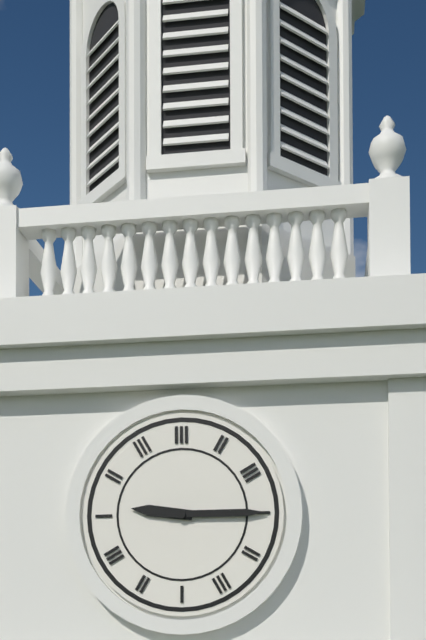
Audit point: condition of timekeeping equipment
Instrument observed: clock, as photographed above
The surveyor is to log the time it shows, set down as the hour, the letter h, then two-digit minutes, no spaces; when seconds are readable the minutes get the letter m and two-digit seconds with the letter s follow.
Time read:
9h15
